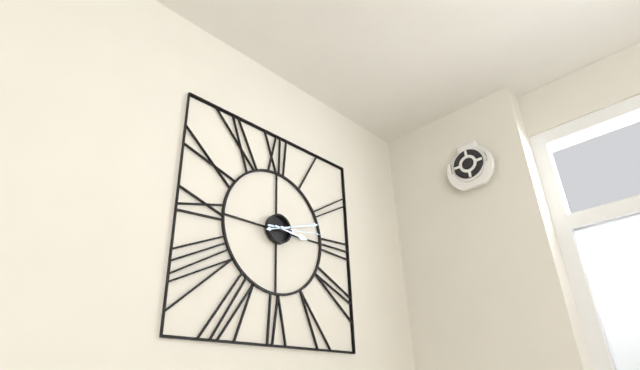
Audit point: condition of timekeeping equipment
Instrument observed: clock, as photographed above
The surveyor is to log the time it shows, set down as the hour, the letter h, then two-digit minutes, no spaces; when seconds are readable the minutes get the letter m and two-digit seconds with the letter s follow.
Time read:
3h12m14s
